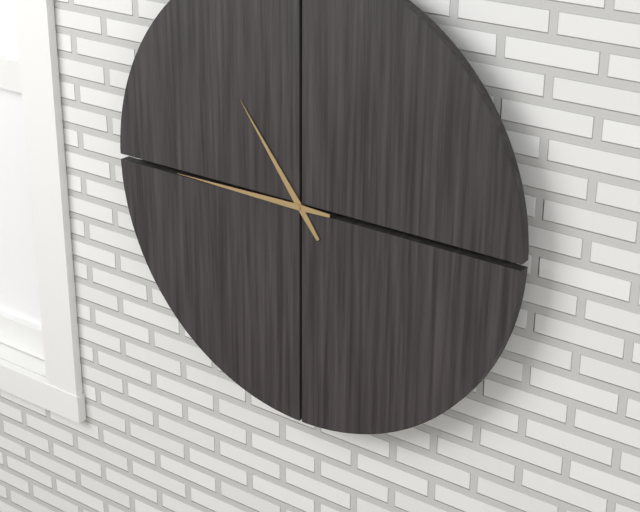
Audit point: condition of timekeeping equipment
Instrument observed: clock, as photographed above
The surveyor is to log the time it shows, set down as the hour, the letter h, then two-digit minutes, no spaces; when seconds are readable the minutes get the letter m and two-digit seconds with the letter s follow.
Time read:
10h45
